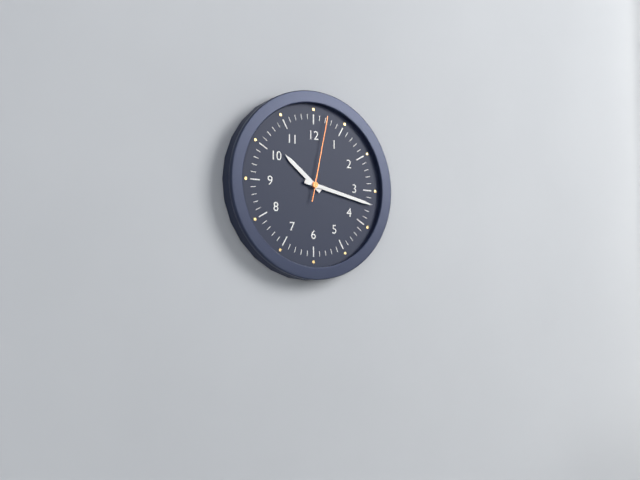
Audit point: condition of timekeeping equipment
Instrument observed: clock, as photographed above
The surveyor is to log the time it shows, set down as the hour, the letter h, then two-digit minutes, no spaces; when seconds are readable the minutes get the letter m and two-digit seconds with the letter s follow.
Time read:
10h17m02s
